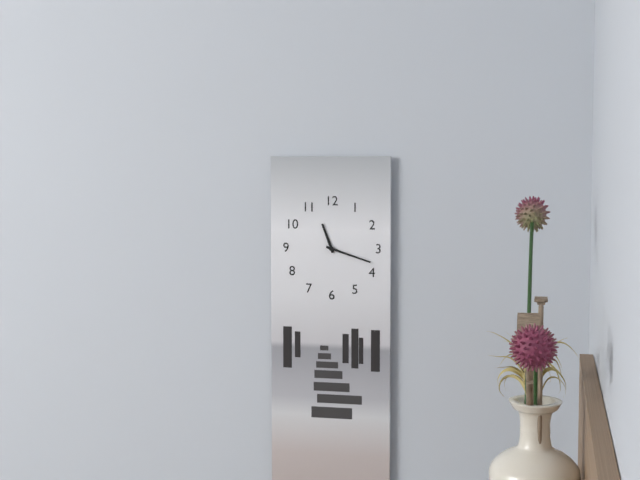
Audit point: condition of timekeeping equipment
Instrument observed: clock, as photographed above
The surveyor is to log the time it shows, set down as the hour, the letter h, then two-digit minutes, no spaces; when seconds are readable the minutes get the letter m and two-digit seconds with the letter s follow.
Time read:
11h18
